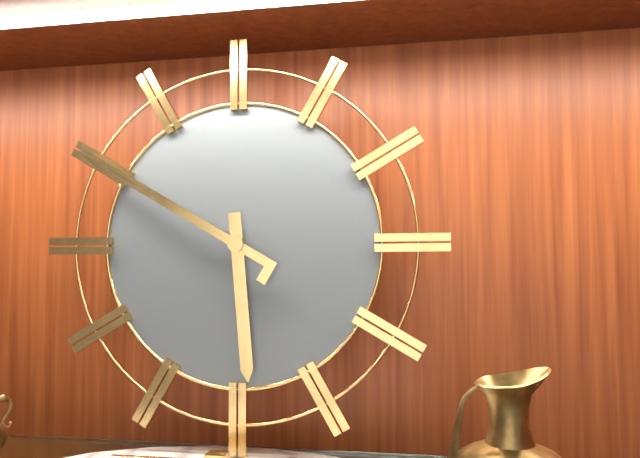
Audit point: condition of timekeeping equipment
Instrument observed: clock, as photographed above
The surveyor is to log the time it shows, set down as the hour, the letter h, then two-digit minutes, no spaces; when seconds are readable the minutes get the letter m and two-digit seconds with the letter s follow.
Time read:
5h50
